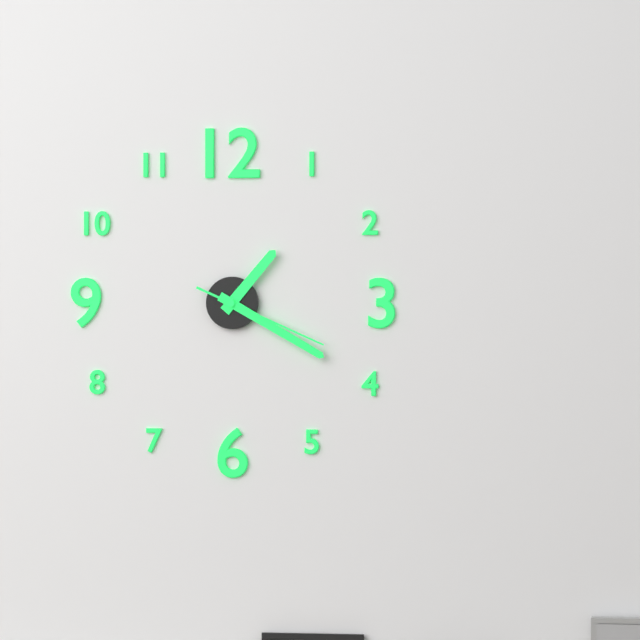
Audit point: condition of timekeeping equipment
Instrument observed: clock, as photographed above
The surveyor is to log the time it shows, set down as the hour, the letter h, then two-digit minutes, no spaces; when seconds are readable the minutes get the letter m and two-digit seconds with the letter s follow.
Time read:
1h20m19s
